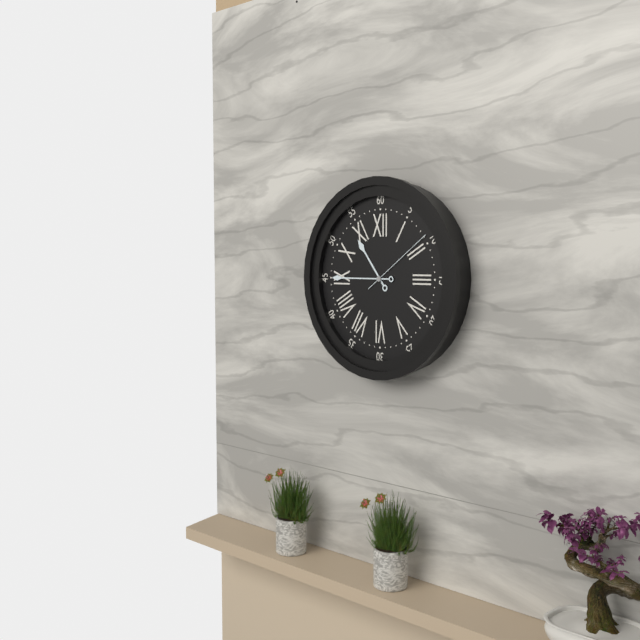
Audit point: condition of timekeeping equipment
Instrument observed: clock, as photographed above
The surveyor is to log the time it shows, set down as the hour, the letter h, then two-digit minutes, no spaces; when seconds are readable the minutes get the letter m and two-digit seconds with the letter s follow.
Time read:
10h45m09s
